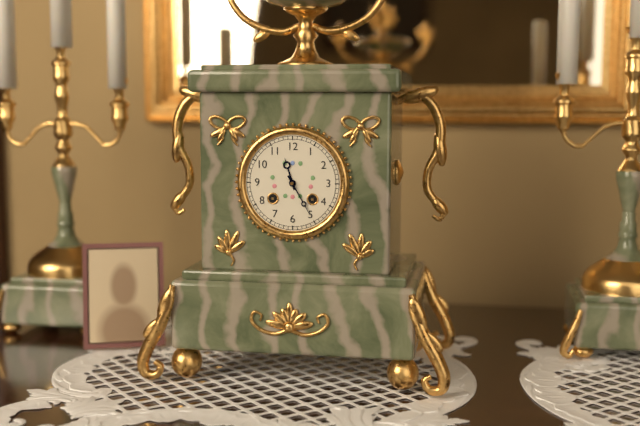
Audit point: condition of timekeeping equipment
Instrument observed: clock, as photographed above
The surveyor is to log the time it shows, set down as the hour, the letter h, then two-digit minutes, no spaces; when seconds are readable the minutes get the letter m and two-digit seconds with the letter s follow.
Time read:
11h25
